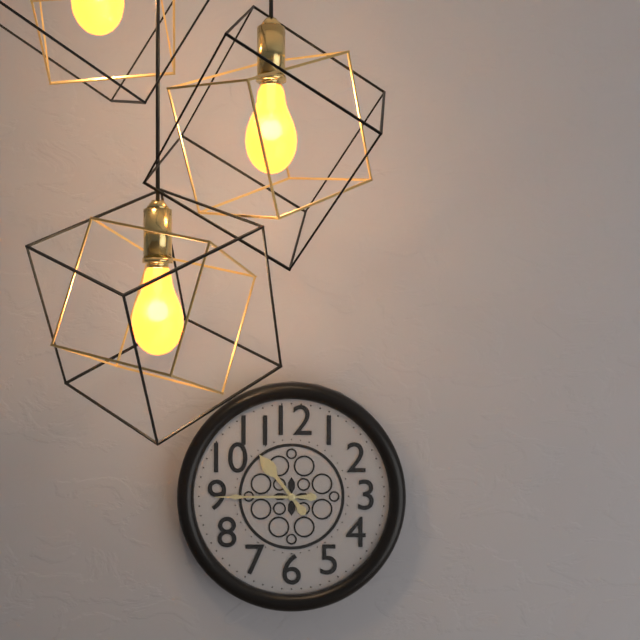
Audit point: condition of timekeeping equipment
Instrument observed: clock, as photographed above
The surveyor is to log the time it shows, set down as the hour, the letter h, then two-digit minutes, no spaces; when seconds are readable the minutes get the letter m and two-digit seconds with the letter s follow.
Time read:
10h45
